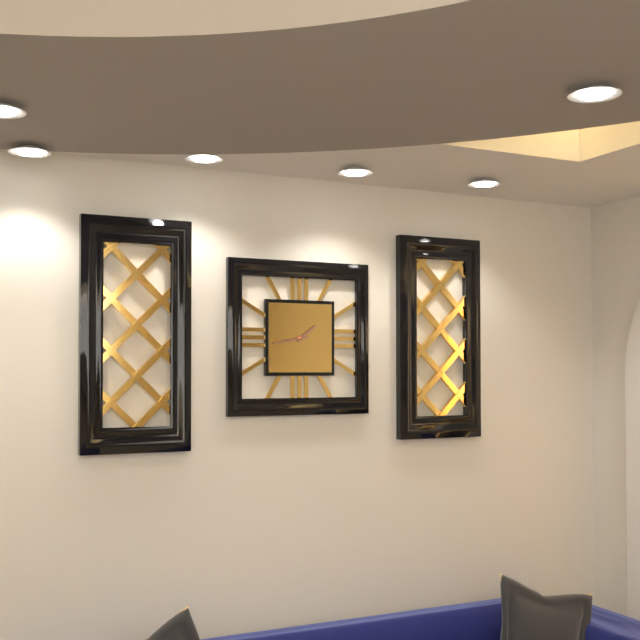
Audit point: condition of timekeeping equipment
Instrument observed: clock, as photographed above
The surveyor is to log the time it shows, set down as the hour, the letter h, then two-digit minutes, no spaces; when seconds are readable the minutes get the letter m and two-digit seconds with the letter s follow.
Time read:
1h43
